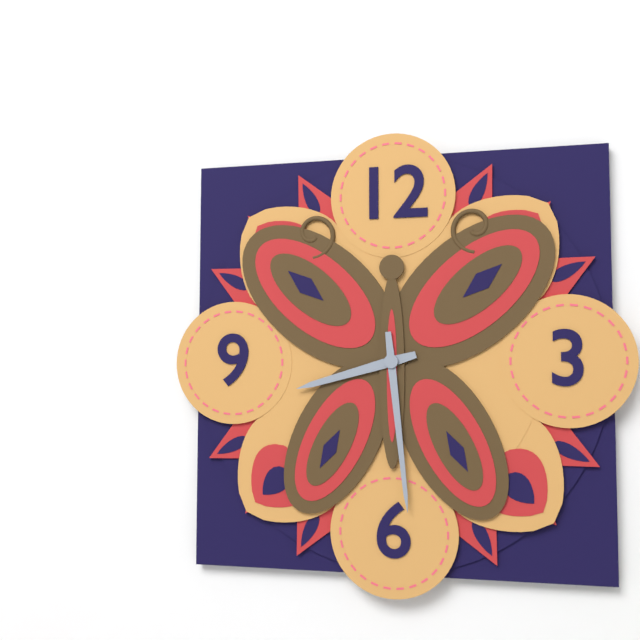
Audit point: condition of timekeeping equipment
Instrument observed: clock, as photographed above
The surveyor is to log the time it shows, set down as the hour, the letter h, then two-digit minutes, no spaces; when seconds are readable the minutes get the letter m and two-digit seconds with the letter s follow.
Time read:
8h29
